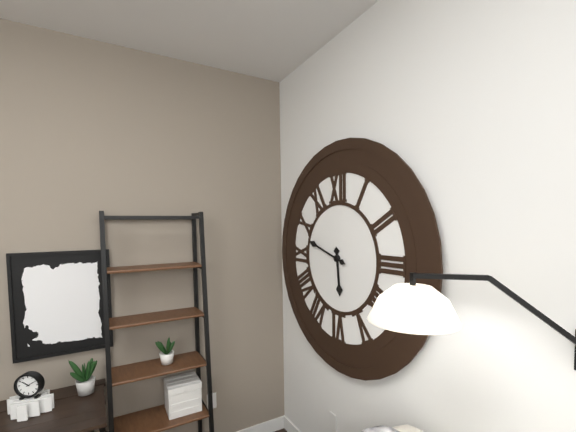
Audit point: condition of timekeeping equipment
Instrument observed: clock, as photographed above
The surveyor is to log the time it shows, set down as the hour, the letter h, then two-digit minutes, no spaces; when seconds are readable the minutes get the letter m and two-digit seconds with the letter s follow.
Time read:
5h48
